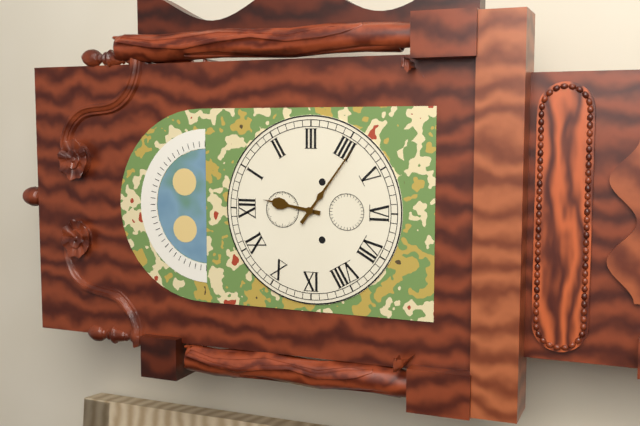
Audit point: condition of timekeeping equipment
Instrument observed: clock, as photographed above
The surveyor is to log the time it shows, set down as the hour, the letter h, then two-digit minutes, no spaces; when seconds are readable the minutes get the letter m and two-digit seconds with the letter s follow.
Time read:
12h21
